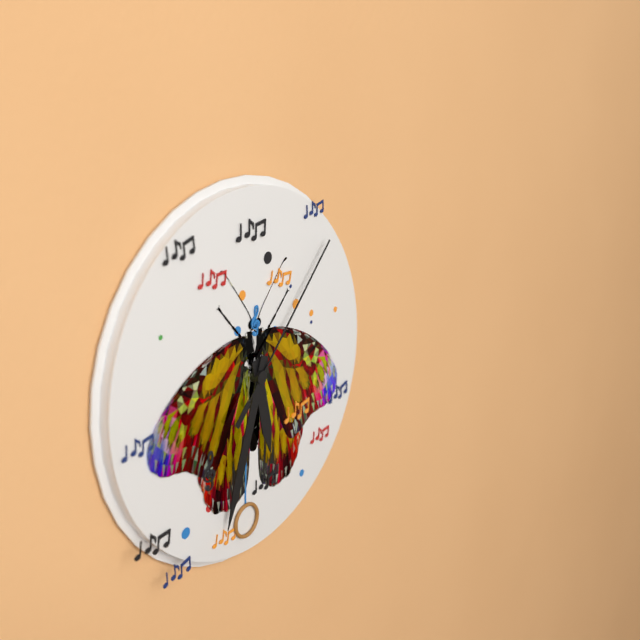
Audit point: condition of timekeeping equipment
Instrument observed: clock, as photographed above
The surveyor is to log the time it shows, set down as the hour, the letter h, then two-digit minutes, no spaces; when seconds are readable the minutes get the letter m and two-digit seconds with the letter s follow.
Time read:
5h33m07s
